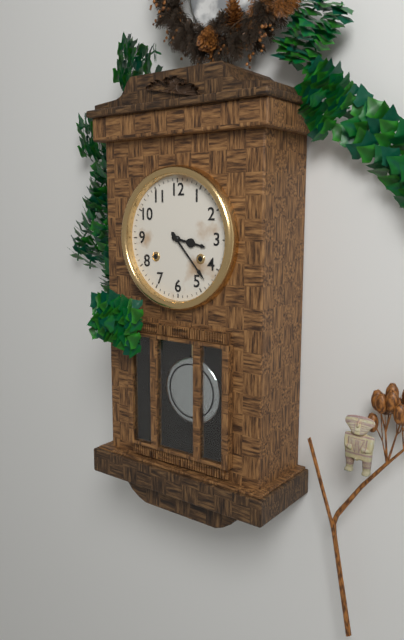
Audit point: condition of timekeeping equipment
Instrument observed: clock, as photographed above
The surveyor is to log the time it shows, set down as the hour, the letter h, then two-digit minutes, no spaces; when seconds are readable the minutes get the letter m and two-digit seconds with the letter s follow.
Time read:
3h23
